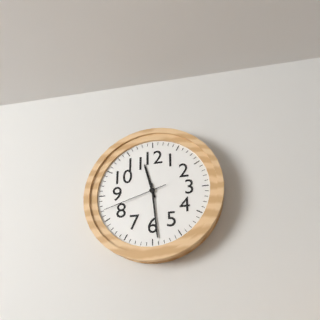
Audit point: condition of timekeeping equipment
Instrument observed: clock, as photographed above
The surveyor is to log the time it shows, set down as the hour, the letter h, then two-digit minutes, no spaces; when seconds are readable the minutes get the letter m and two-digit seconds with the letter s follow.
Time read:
11h29m42s
